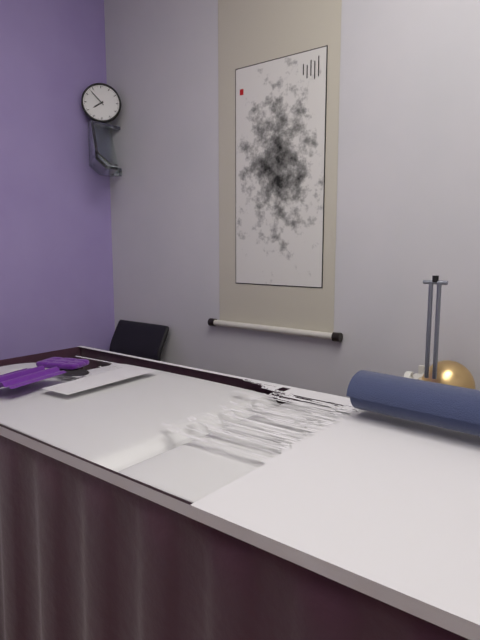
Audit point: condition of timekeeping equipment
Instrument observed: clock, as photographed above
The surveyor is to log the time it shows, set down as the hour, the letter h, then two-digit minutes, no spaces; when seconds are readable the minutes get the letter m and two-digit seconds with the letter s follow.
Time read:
7h53
